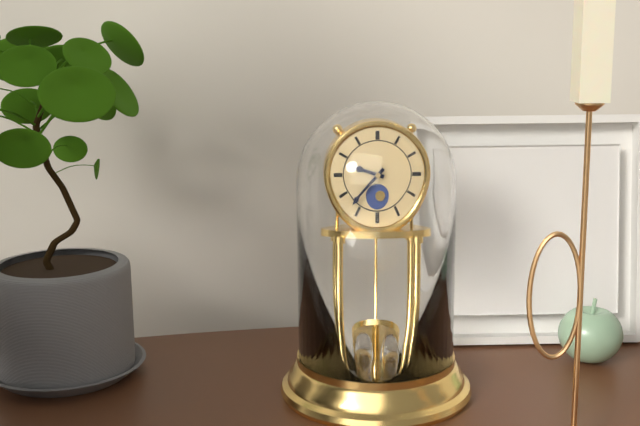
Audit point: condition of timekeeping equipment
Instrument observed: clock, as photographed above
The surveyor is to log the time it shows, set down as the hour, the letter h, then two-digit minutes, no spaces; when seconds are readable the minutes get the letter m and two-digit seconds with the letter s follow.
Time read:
9h37
